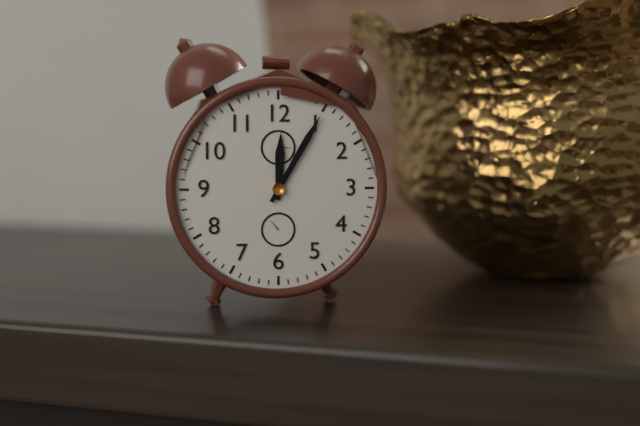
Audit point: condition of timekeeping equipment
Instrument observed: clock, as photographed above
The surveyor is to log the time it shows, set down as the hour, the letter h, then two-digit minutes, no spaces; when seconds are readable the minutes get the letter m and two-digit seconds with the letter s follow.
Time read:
12h05
